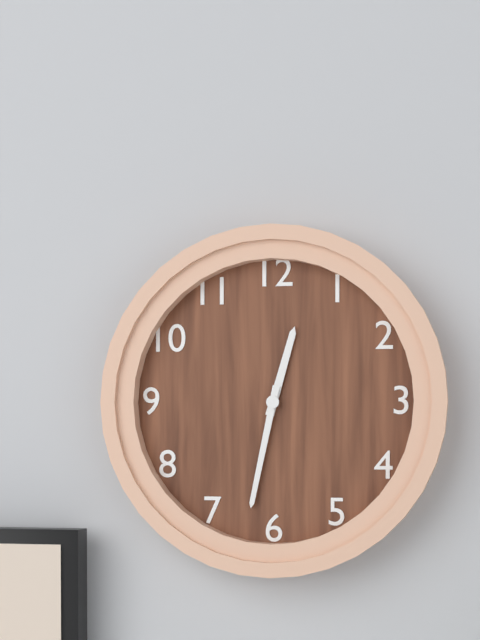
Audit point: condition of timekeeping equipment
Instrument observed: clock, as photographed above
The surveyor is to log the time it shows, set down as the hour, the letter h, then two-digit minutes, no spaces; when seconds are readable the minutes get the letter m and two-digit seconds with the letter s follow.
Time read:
12h32
